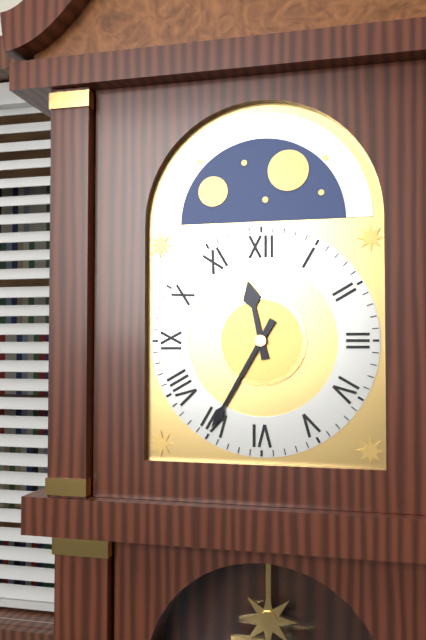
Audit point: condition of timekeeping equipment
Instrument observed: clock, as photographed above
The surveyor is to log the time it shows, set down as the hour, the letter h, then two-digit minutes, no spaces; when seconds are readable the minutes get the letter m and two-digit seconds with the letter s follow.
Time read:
11h35
